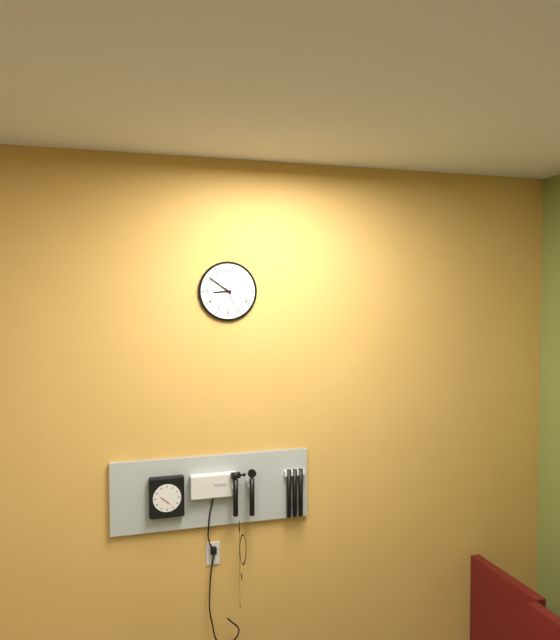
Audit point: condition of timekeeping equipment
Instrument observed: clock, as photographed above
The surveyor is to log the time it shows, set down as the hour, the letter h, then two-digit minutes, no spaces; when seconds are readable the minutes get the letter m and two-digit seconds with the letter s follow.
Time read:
8h51
